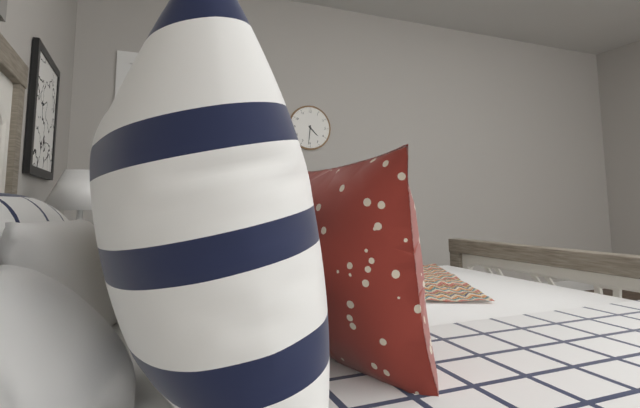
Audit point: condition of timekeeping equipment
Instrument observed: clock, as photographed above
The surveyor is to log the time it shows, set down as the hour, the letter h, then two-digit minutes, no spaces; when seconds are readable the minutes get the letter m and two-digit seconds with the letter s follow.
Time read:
4h31
